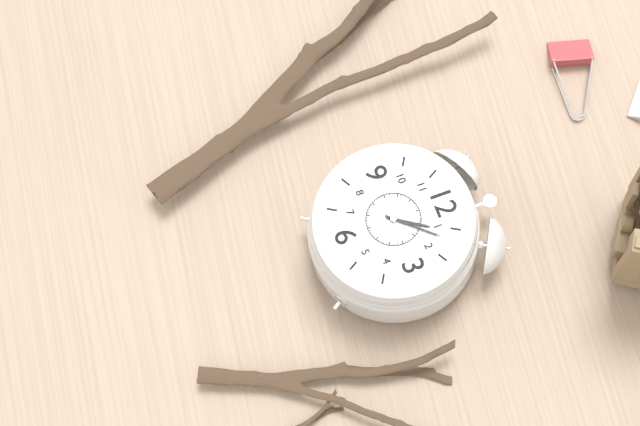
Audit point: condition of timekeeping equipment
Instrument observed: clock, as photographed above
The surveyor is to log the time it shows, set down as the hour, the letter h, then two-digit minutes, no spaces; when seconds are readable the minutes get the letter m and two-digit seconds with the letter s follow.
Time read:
1h07
